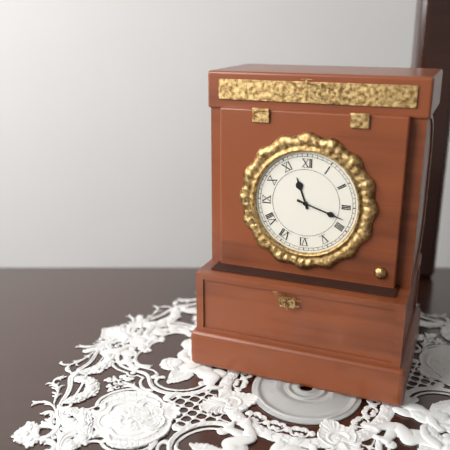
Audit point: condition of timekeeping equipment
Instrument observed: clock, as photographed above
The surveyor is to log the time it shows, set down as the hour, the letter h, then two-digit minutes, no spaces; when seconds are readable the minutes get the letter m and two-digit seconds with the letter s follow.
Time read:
11h18
